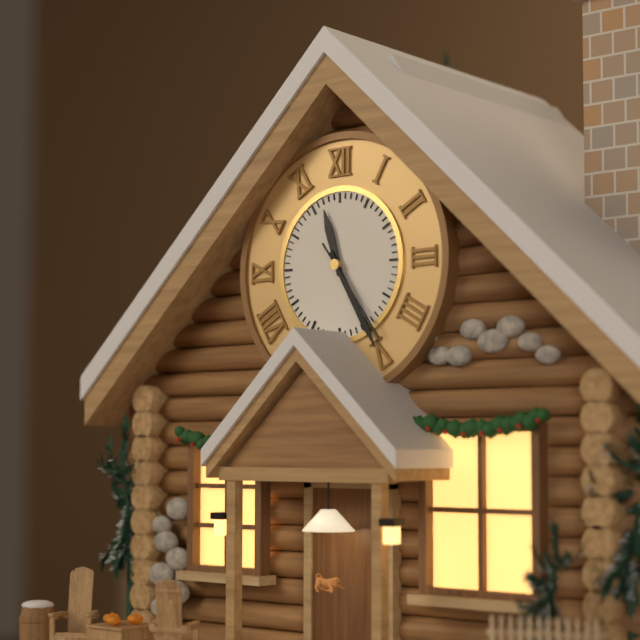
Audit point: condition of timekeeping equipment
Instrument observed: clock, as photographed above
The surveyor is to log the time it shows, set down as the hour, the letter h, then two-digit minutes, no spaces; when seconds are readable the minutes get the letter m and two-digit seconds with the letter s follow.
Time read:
11h25m24s
